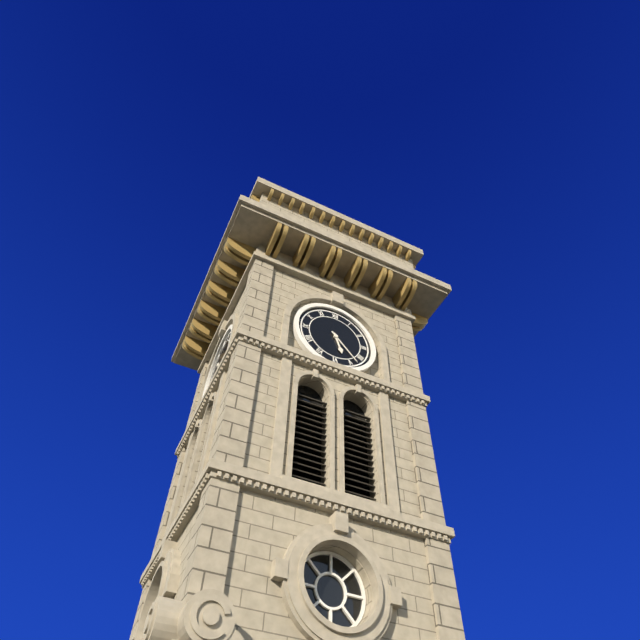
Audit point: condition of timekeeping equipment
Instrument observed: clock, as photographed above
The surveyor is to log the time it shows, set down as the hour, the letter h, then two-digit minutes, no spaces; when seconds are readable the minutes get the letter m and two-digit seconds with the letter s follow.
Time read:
5h23
